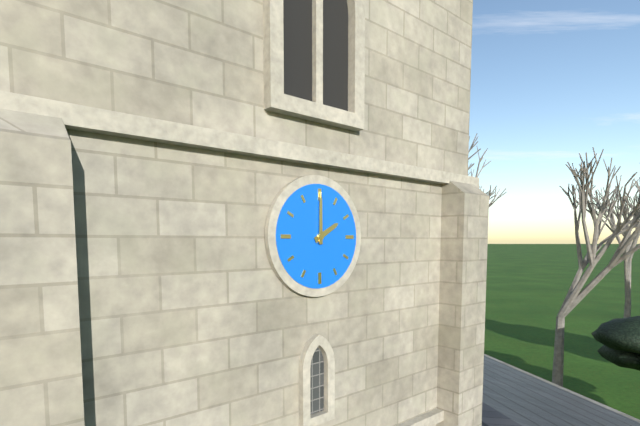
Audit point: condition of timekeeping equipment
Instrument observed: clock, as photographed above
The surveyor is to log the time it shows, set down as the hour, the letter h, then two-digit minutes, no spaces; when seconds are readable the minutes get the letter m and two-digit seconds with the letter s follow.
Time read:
2h00
